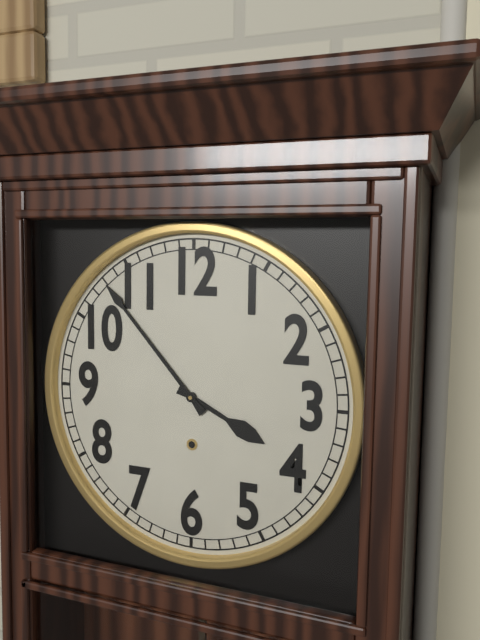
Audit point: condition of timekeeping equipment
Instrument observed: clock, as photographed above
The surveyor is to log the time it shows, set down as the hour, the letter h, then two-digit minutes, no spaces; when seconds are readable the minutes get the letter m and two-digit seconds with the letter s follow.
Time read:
3h53
